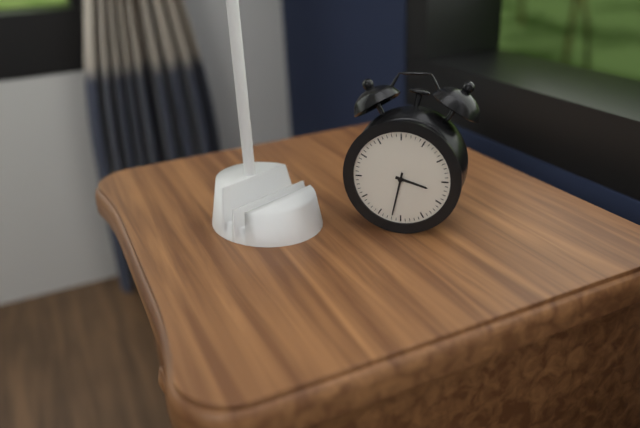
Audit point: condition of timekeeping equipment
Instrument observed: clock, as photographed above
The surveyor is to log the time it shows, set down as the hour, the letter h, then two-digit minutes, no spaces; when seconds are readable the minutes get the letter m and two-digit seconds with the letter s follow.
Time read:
3h32
